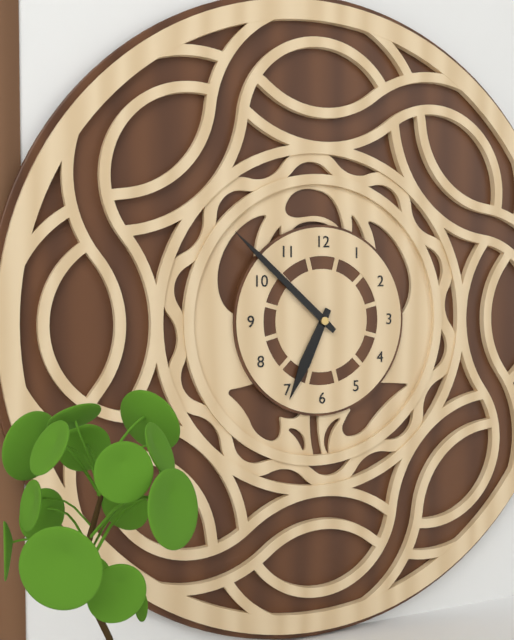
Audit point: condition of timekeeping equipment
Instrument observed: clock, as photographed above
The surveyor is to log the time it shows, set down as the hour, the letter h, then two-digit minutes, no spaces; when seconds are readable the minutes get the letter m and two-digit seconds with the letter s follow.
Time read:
6h52
